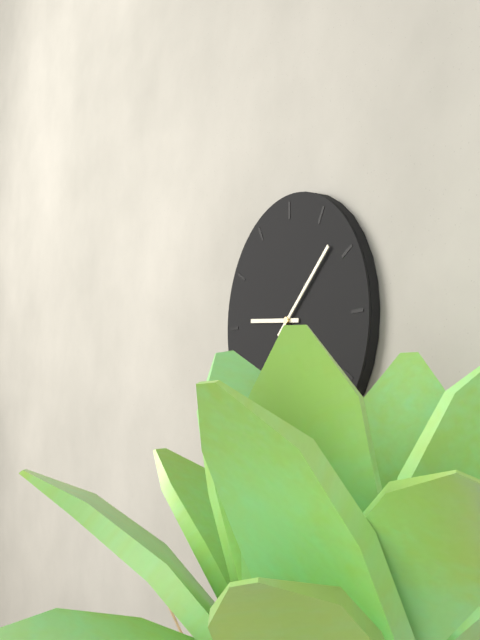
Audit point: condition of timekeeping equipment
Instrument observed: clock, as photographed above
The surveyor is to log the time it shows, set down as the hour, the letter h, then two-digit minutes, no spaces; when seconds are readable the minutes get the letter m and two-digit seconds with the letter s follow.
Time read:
9h08
